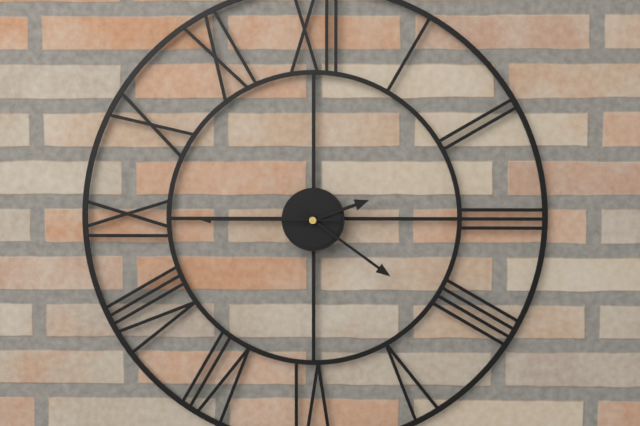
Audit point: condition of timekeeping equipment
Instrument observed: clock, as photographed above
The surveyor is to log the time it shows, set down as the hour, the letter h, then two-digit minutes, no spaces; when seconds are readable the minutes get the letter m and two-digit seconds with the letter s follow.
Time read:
2h21m45s
